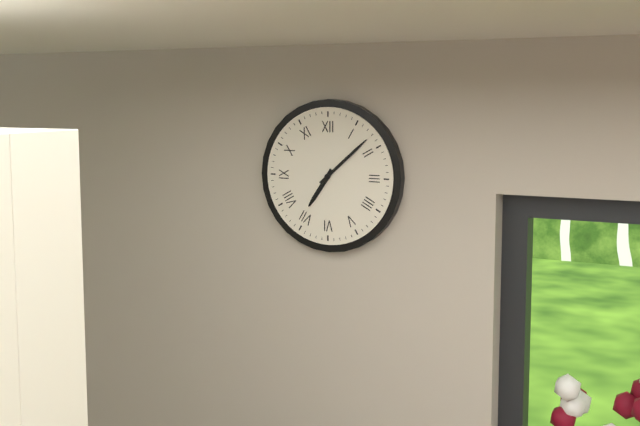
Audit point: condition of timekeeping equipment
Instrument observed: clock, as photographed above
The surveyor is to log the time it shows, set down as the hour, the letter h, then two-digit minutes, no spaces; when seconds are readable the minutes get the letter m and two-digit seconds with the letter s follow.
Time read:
7h08
